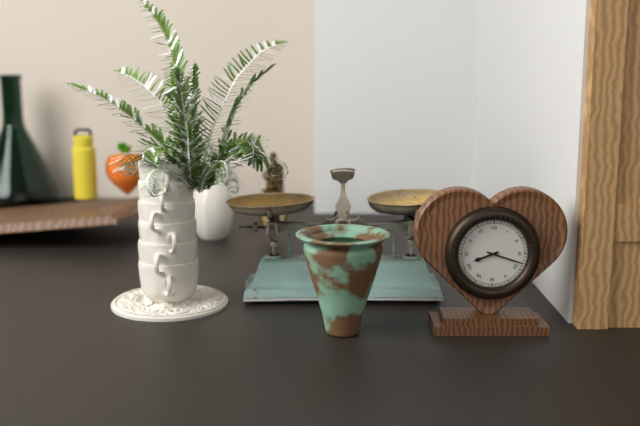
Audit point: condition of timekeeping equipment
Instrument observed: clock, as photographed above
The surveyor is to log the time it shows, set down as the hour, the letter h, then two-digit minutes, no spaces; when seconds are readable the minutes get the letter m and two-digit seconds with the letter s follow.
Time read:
8h18
